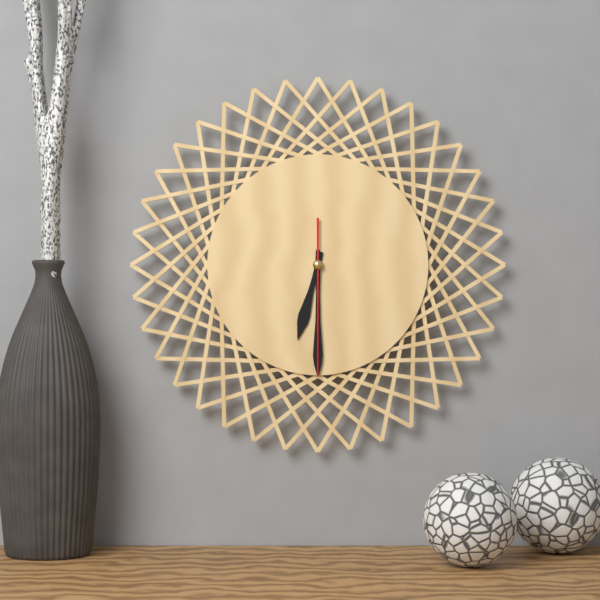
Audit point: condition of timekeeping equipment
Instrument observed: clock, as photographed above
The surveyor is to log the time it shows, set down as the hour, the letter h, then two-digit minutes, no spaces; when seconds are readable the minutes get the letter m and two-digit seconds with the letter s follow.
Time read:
6h30m30s
